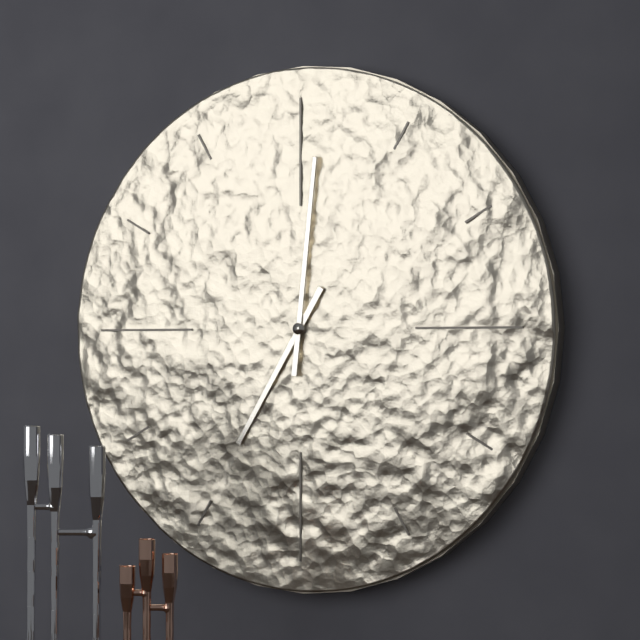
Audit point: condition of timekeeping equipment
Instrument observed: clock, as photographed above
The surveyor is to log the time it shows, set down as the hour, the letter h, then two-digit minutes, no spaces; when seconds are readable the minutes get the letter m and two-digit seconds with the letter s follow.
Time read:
7h01
